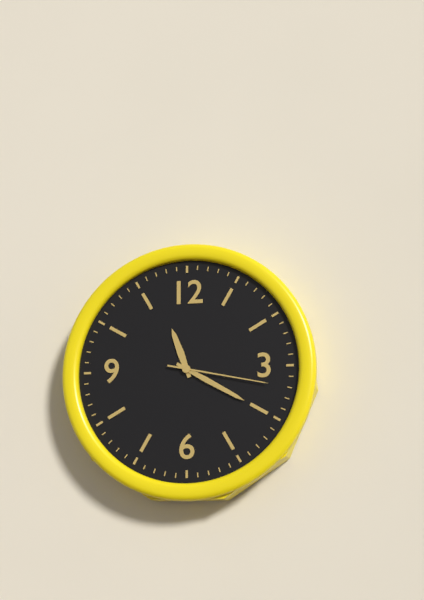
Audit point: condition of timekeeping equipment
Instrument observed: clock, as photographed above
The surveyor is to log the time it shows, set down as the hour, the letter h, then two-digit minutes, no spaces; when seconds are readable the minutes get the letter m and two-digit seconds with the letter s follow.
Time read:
11h20m17s
